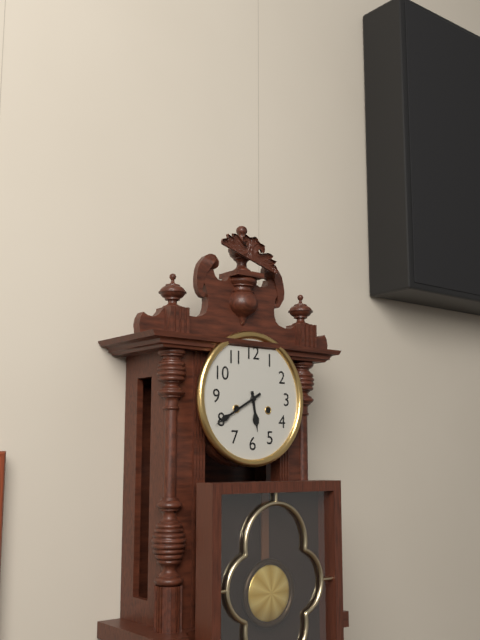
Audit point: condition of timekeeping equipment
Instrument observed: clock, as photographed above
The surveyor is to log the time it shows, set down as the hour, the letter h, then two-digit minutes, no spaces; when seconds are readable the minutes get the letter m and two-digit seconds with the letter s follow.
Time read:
5h40
